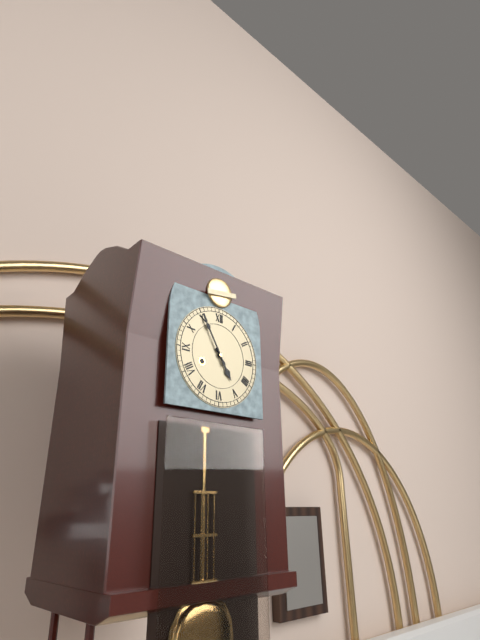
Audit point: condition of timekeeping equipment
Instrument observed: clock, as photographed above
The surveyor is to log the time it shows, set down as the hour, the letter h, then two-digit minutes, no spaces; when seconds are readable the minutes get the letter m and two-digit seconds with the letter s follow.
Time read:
4h55
